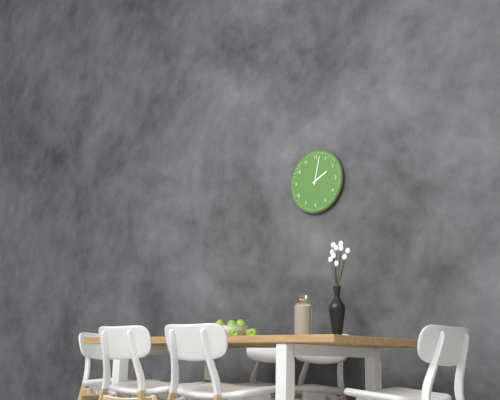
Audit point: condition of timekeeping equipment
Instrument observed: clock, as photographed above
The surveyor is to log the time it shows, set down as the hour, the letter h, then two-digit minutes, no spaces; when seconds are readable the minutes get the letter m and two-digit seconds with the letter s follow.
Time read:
2h02
